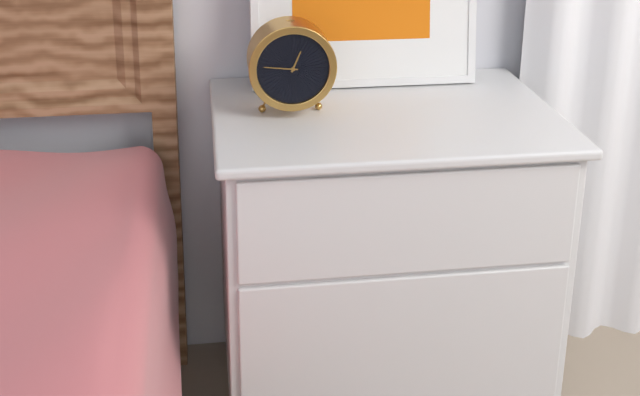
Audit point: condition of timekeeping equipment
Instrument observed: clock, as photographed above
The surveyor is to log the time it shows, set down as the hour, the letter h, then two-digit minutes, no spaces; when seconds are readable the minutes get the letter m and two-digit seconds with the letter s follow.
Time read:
12h46
